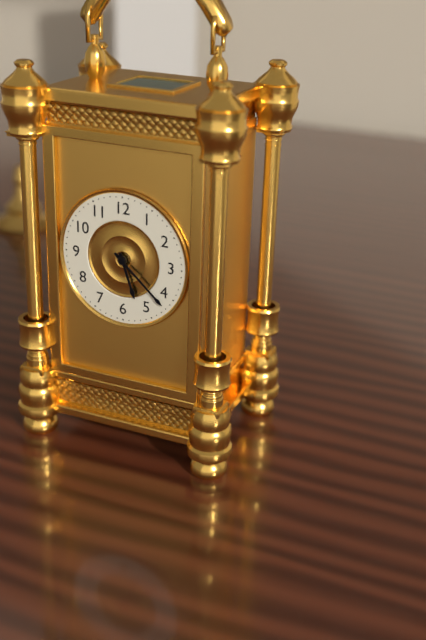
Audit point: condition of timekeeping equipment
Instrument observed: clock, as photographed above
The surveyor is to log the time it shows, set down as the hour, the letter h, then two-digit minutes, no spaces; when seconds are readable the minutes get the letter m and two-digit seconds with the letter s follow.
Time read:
5h22
